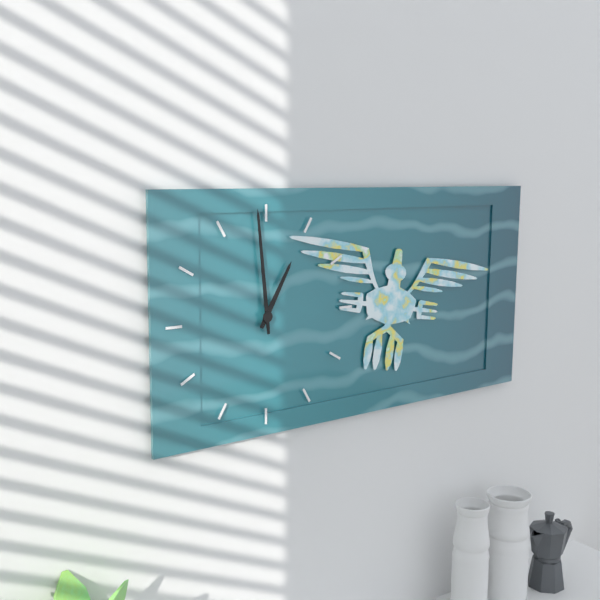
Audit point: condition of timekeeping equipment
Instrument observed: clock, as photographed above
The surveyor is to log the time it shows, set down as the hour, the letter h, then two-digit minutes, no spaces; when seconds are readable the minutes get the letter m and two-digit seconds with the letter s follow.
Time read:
12h59
